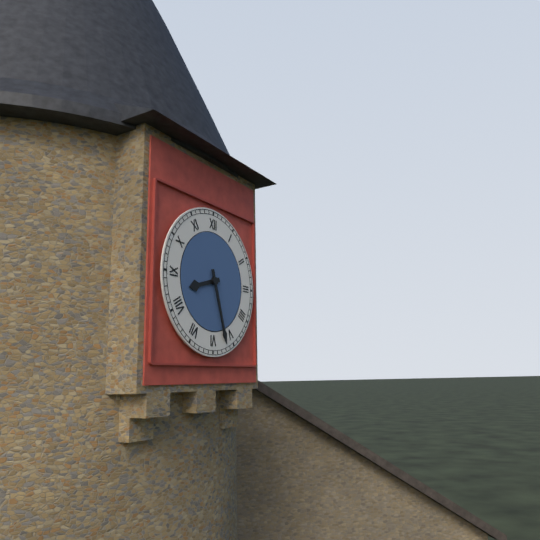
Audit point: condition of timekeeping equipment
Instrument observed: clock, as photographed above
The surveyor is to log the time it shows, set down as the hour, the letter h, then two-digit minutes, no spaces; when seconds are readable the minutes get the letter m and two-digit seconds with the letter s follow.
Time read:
8h27
